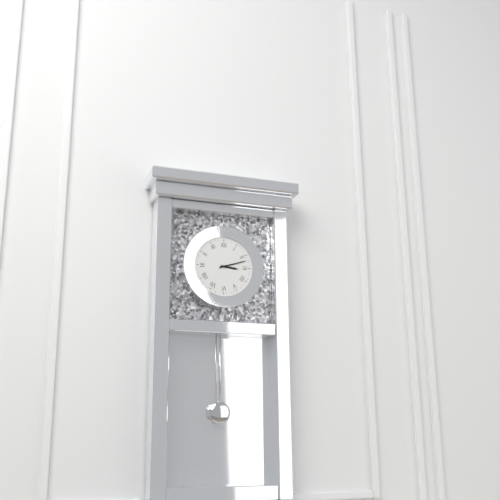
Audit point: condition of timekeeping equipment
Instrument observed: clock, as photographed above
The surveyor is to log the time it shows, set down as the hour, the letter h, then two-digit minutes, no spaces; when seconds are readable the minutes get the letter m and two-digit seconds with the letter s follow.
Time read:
3h12
